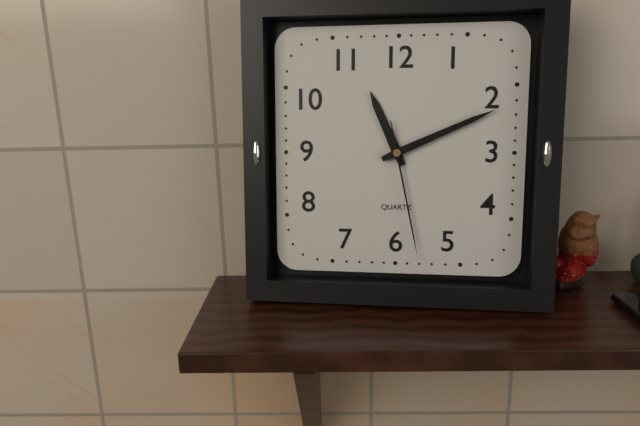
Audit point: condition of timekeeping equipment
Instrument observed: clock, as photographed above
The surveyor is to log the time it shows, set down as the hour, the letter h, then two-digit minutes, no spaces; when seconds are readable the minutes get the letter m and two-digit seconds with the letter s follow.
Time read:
11h11m28s
